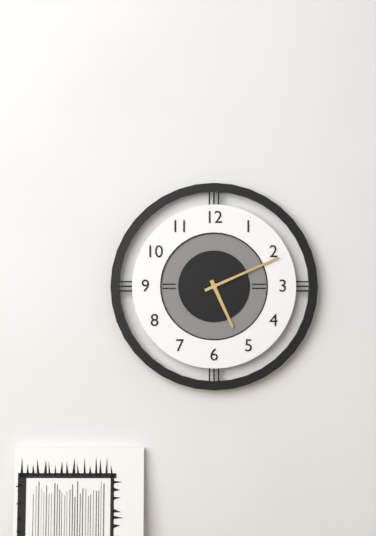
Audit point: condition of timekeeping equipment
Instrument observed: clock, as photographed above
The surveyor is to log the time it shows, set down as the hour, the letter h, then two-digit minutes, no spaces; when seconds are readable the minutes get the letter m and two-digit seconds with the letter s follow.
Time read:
5h11
